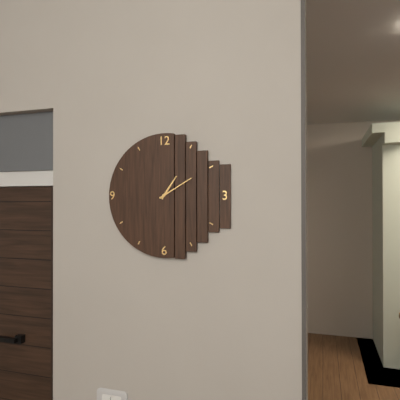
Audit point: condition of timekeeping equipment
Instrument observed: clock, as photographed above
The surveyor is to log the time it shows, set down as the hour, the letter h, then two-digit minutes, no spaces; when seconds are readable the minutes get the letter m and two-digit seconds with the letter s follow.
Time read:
1h10
